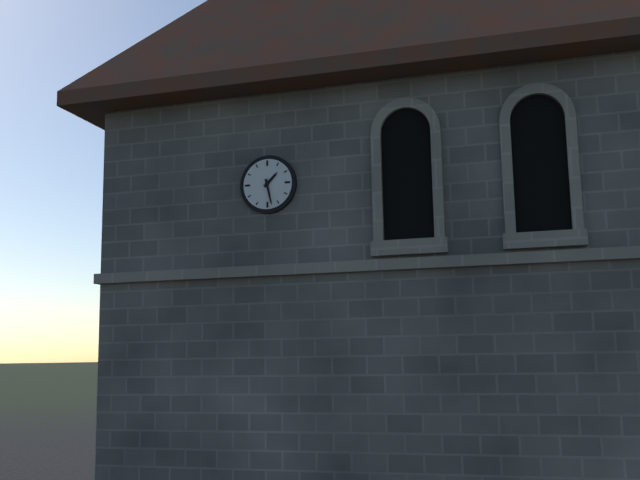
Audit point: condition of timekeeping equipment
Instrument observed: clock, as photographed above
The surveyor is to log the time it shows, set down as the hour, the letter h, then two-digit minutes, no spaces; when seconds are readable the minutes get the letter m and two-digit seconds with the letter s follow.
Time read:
1h28
